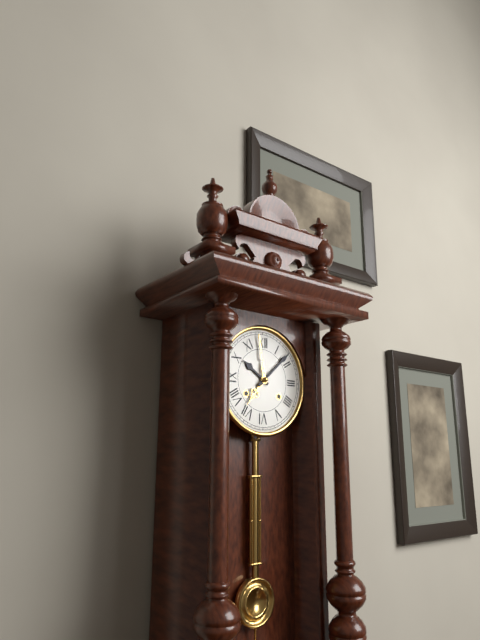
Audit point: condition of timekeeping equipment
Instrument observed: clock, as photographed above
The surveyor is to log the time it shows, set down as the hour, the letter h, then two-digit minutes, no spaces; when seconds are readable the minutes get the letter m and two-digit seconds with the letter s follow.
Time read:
10h08
